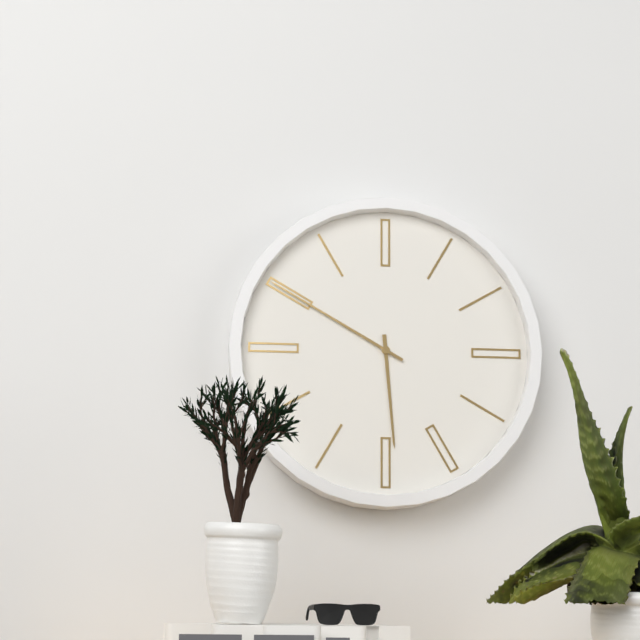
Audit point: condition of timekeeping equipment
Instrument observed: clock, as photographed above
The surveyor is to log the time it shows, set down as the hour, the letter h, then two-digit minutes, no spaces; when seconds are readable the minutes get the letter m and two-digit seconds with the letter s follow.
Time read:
5h50
